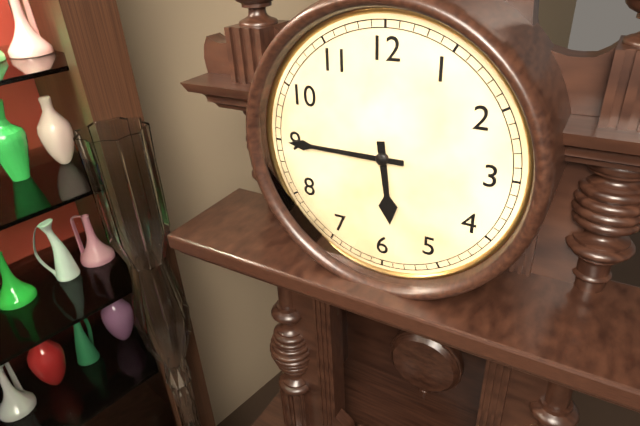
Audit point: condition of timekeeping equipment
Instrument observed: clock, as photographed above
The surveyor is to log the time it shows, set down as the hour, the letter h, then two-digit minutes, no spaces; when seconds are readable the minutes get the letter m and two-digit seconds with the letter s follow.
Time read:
5h45
